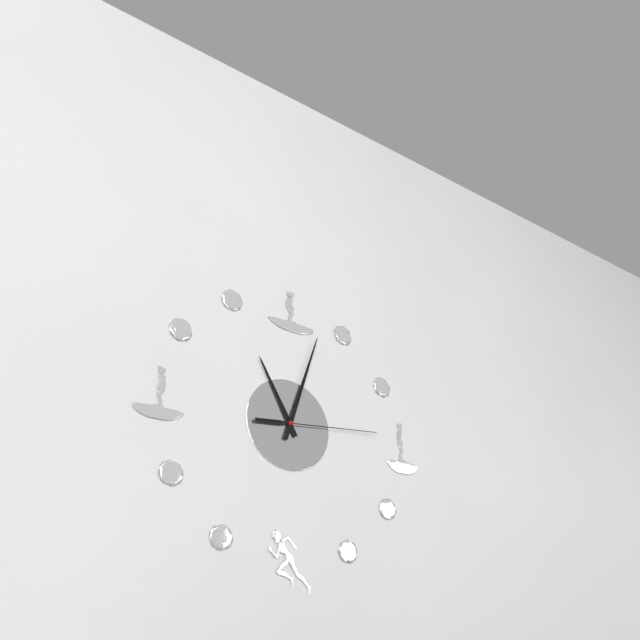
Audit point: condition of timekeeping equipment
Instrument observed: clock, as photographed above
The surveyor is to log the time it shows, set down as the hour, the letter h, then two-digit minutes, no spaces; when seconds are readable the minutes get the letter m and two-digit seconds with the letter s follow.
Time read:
11h03m14s
